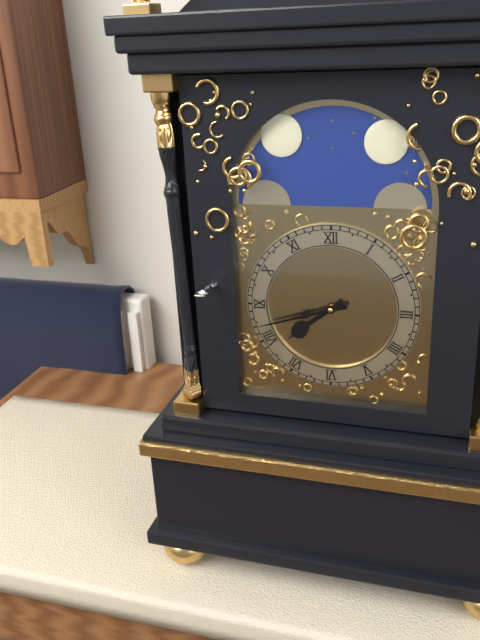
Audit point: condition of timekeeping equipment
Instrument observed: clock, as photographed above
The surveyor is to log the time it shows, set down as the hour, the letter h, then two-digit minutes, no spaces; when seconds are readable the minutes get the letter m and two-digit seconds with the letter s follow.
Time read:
7h42
